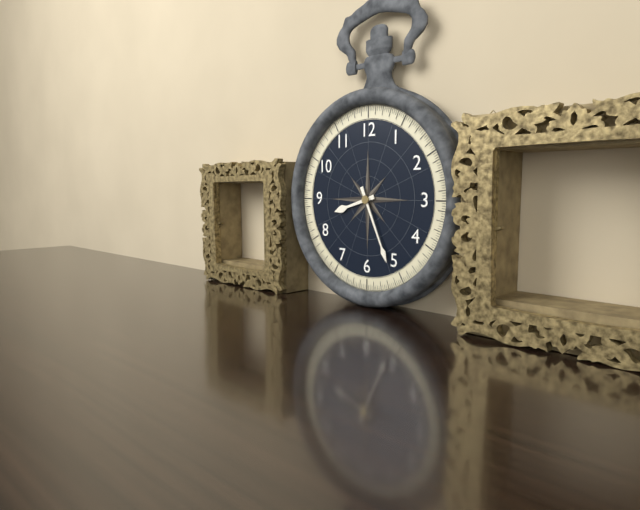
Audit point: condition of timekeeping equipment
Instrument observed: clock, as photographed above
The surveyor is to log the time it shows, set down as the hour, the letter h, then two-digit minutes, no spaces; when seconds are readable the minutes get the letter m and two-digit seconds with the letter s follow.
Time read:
8h26
